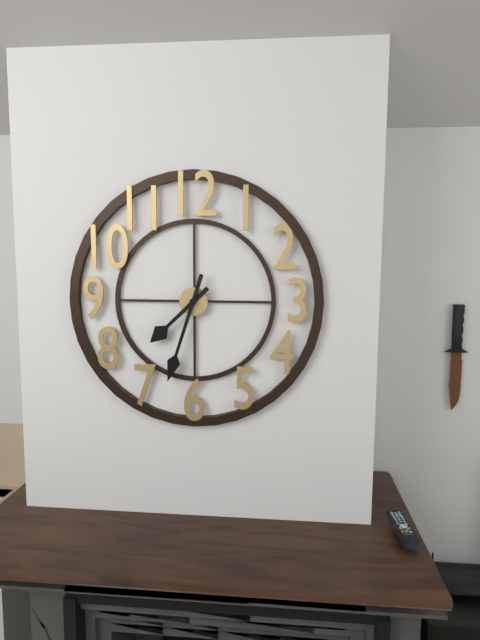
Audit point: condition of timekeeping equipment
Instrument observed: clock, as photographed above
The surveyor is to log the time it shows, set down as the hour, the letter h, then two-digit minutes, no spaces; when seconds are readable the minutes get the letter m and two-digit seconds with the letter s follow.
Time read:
7h33
